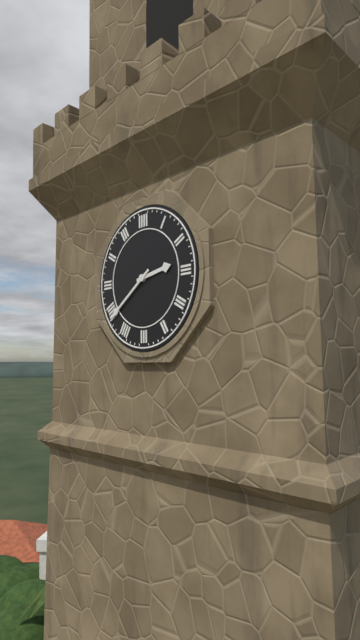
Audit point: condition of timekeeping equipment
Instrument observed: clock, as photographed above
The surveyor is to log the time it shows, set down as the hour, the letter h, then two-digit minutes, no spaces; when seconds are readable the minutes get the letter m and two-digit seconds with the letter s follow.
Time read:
2h39
